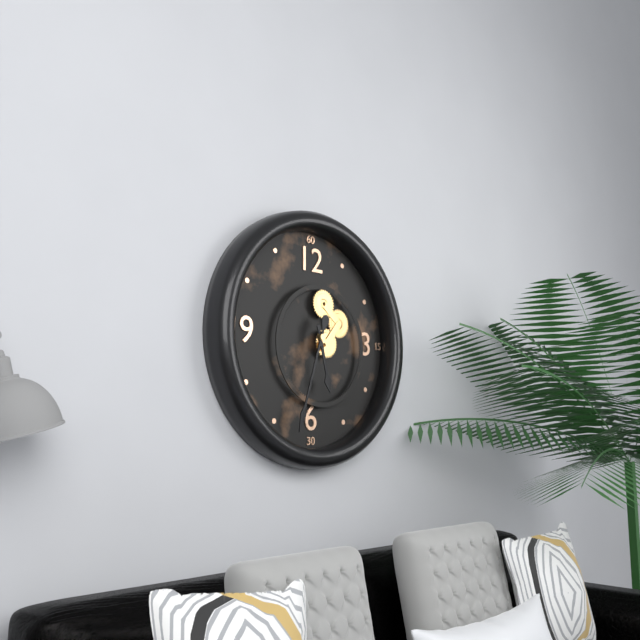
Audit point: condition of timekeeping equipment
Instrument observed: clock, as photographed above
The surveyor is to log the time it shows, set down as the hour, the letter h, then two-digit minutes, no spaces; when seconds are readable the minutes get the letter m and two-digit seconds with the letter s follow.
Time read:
5h33
